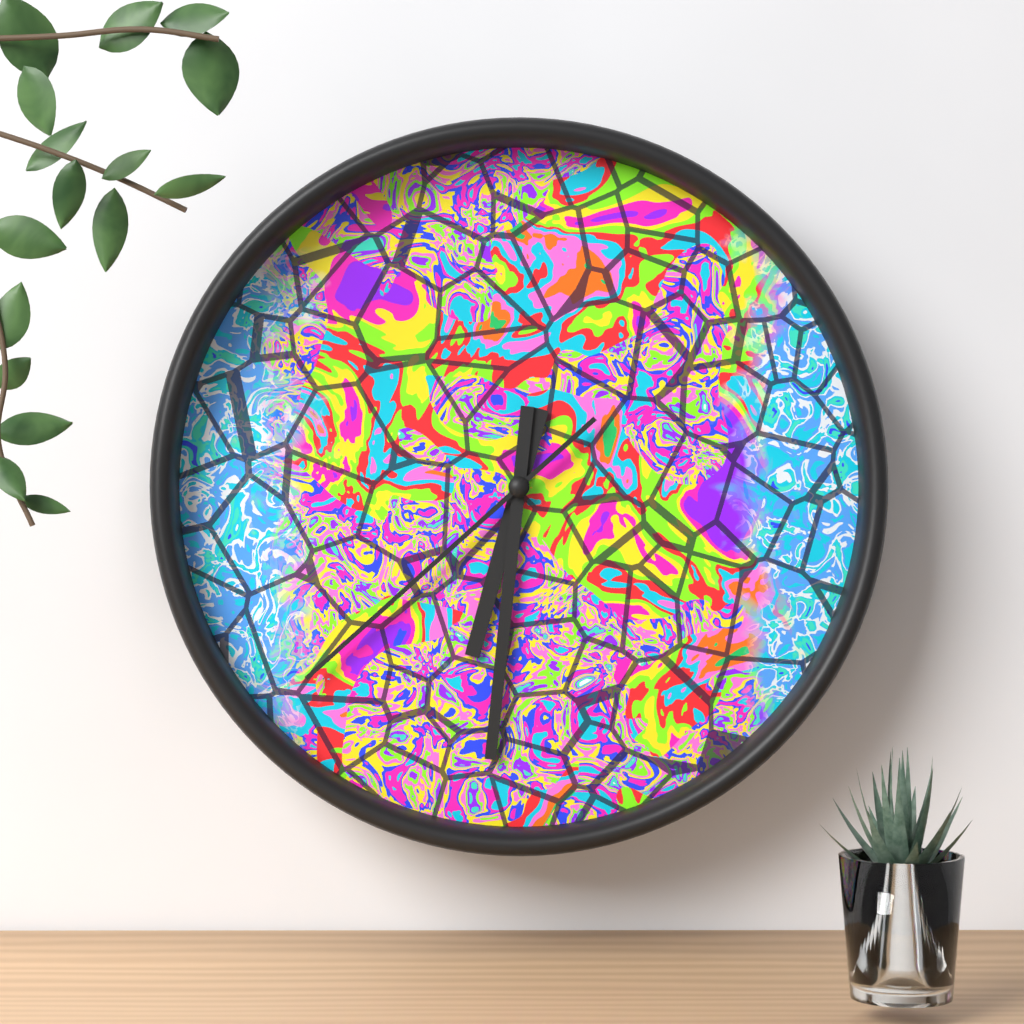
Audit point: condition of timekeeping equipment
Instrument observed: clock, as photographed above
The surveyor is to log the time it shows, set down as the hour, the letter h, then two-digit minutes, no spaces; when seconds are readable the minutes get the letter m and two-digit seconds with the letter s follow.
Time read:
6h31m38s
